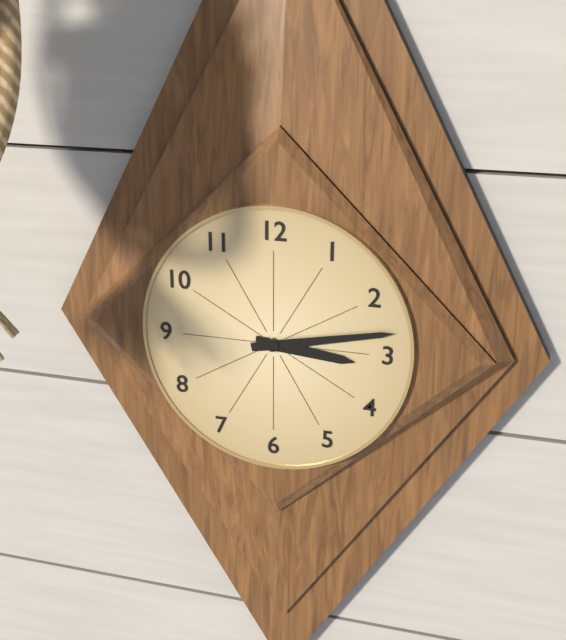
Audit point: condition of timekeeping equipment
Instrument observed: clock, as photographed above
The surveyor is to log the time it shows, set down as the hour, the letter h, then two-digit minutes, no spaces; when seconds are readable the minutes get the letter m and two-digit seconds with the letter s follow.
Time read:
3h13
